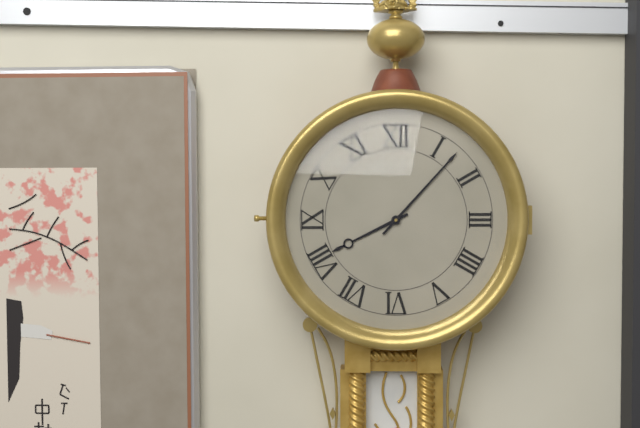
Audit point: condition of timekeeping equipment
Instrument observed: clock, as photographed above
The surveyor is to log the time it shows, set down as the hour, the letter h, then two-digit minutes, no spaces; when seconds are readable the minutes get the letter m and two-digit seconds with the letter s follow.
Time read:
8h07
